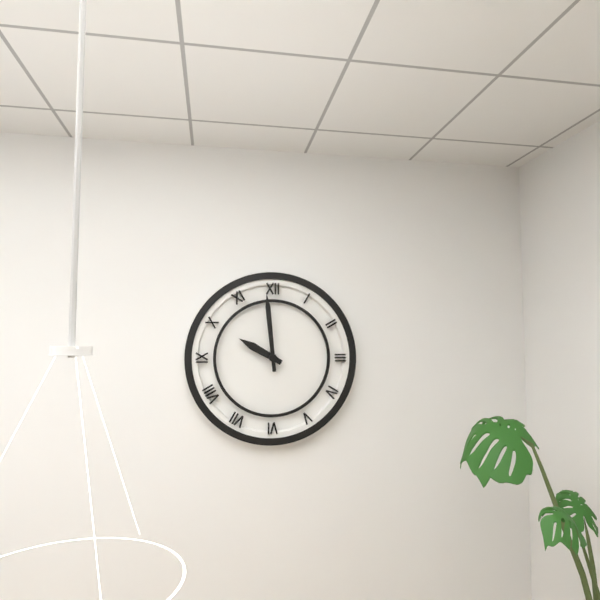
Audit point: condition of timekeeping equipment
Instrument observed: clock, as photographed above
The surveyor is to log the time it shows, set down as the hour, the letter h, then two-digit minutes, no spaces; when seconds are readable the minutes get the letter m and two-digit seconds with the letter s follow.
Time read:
9h59
